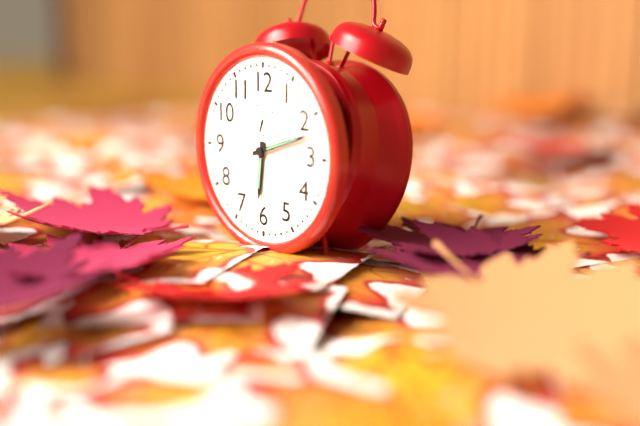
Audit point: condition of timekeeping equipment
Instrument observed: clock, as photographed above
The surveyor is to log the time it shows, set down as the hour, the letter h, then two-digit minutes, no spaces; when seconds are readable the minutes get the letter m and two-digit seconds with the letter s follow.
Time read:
6h12
